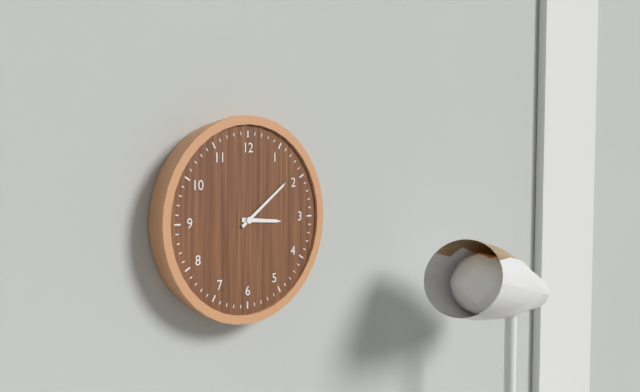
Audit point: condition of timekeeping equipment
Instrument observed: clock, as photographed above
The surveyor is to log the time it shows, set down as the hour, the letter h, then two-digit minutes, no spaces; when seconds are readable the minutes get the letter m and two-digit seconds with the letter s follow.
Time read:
3h09
